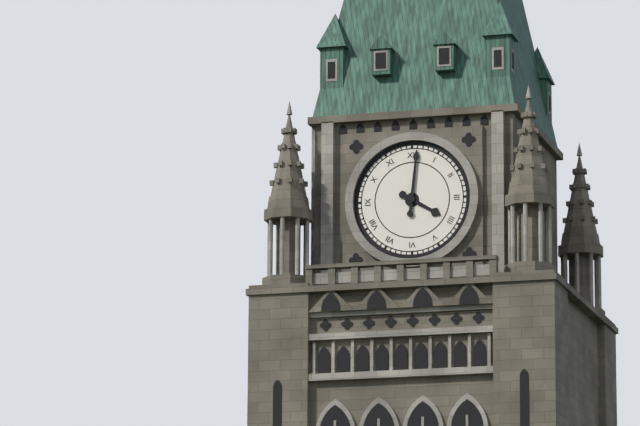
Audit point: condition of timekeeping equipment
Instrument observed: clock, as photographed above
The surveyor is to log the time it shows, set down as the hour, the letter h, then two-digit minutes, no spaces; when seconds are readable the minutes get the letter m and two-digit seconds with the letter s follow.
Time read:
4h01
